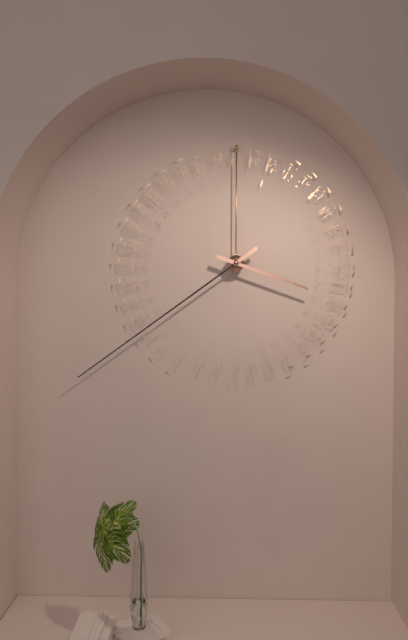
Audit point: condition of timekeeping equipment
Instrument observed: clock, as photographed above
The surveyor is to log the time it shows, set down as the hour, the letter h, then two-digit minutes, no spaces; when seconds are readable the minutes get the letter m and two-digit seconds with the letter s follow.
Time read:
3h39
